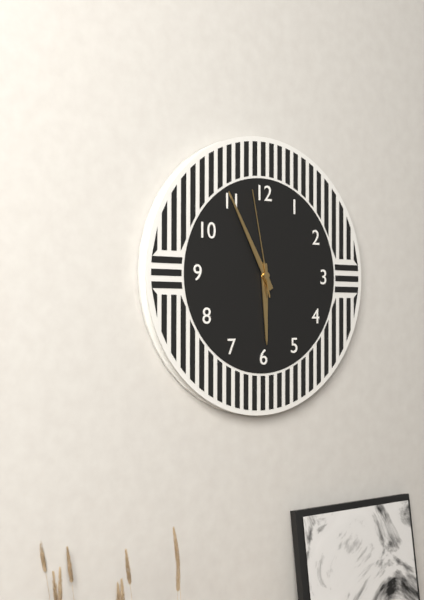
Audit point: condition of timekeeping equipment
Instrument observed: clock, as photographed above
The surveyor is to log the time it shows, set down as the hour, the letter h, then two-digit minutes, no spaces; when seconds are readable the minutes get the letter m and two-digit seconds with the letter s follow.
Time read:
5h55m58s
